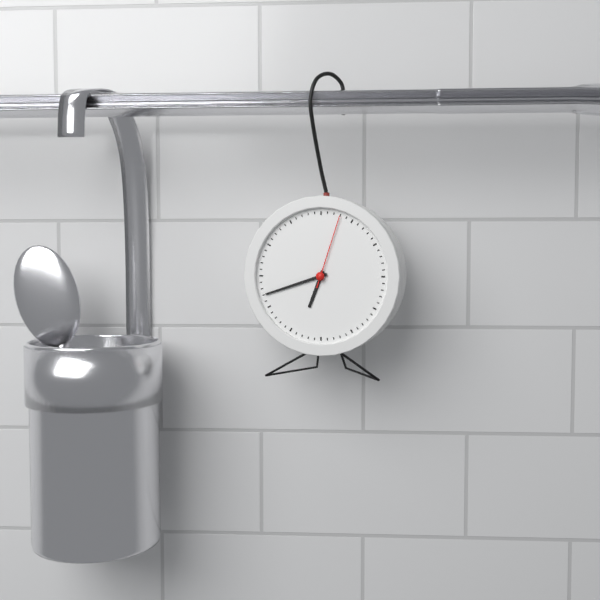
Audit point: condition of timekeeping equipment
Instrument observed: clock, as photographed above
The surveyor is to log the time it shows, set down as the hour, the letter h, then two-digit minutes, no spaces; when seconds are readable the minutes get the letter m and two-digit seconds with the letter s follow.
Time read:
6h42m03s
